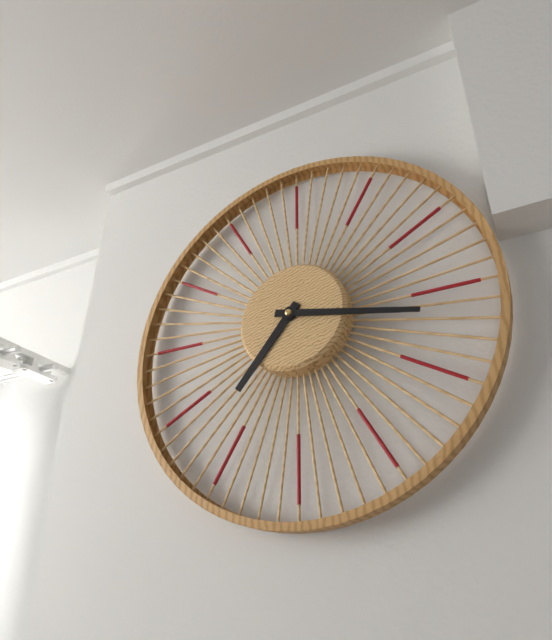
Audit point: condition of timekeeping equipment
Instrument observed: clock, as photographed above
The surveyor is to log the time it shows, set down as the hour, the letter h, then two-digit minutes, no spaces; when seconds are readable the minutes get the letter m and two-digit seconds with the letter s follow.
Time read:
7h17
